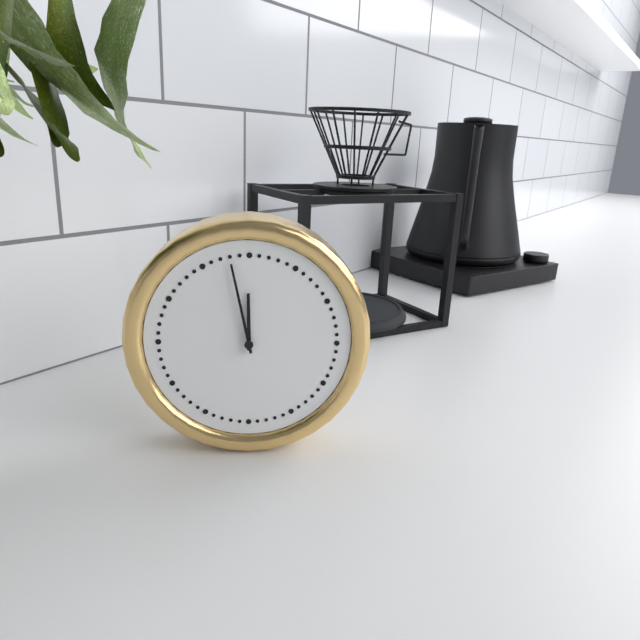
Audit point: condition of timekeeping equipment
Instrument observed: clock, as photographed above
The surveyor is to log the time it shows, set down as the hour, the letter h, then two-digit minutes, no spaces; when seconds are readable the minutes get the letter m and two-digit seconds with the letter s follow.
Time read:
11h58
